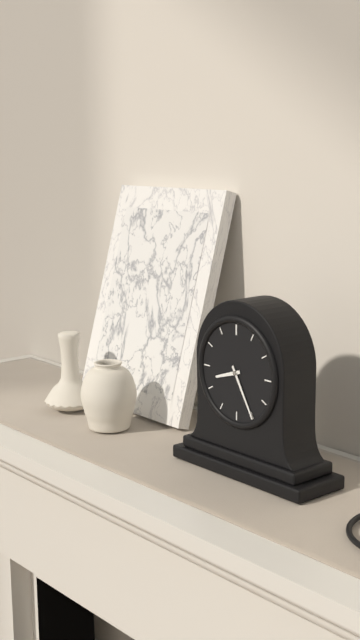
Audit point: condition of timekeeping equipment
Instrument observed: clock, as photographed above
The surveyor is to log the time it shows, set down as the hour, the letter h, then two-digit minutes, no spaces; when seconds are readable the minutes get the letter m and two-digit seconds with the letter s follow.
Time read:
8h25
